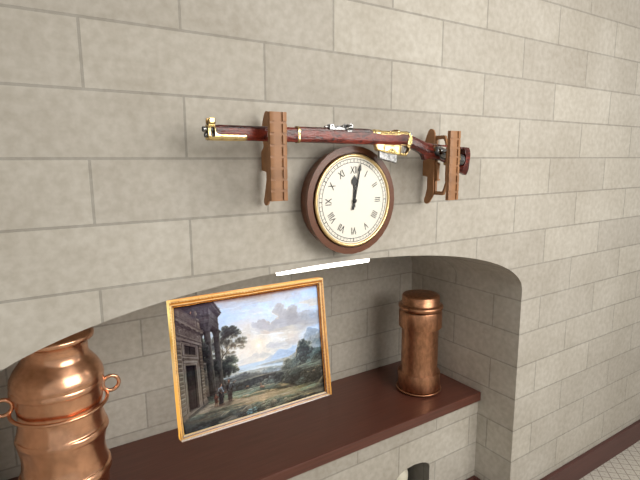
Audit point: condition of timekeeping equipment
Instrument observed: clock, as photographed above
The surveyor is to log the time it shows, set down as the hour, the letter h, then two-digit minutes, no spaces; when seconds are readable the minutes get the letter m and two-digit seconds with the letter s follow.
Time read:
12h02
